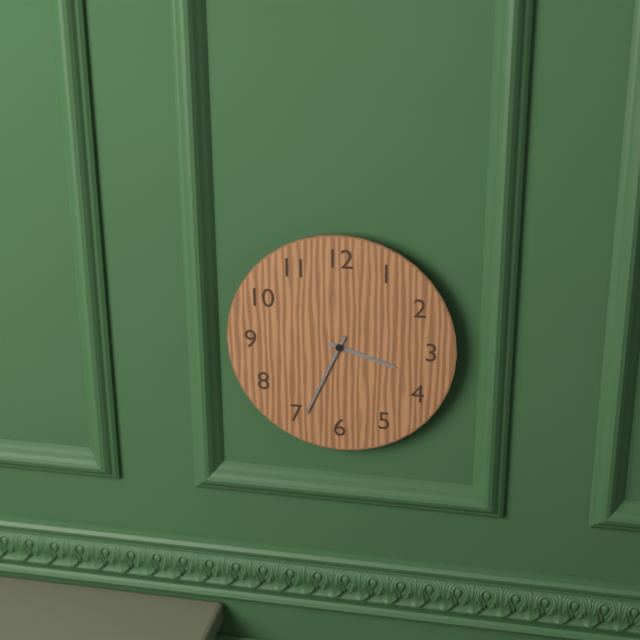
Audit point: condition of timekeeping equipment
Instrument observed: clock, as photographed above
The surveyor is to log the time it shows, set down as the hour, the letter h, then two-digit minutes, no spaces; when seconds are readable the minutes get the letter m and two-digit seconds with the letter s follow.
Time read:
3h34
